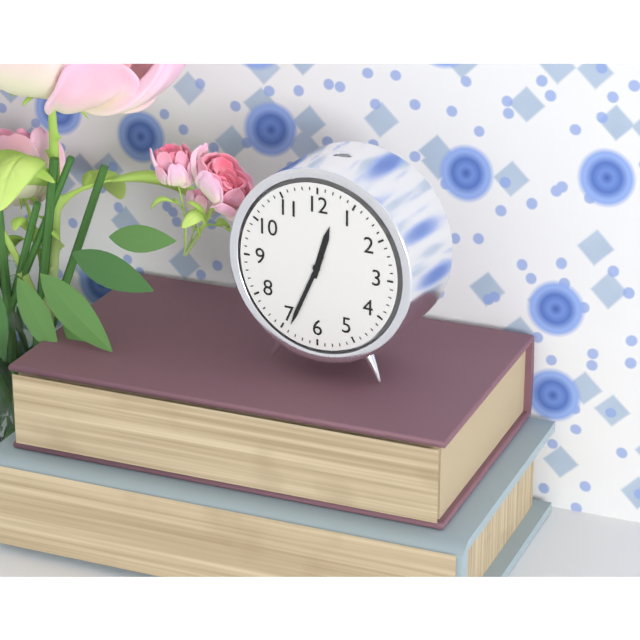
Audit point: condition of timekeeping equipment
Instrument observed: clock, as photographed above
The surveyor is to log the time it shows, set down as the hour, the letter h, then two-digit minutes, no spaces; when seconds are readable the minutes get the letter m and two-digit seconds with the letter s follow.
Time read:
12h34
